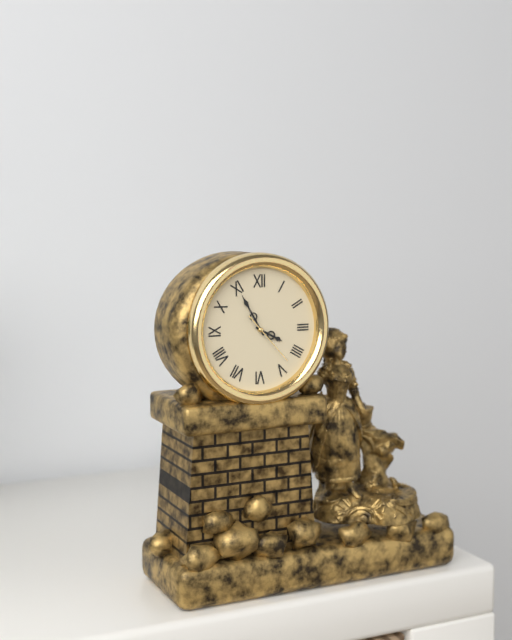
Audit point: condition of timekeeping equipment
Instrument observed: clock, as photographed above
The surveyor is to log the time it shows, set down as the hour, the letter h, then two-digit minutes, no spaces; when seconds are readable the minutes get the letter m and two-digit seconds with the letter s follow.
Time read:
3h55m23s
